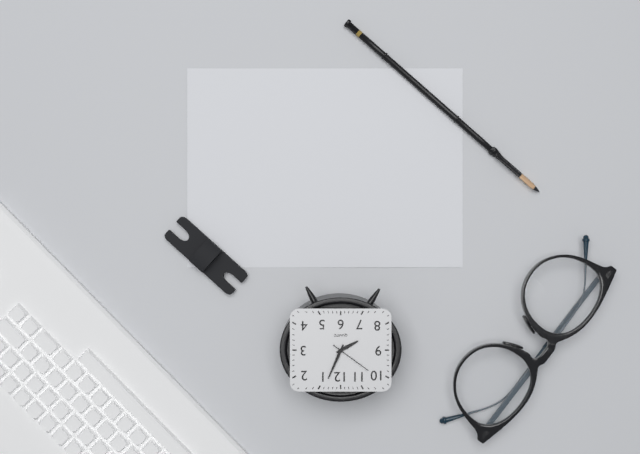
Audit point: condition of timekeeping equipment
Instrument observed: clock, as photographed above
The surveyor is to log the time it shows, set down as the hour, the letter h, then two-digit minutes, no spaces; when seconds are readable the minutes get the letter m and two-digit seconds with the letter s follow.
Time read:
8h04
